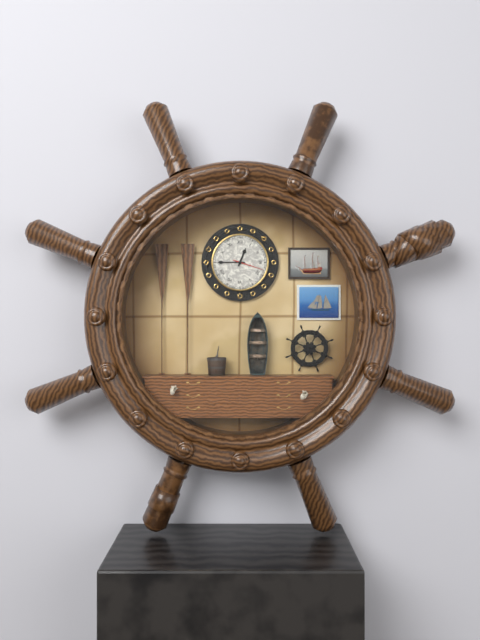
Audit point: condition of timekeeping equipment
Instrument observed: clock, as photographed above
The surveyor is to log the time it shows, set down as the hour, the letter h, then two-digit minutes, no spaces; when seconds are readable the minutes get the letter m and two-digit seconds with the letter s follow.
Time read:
12h45
